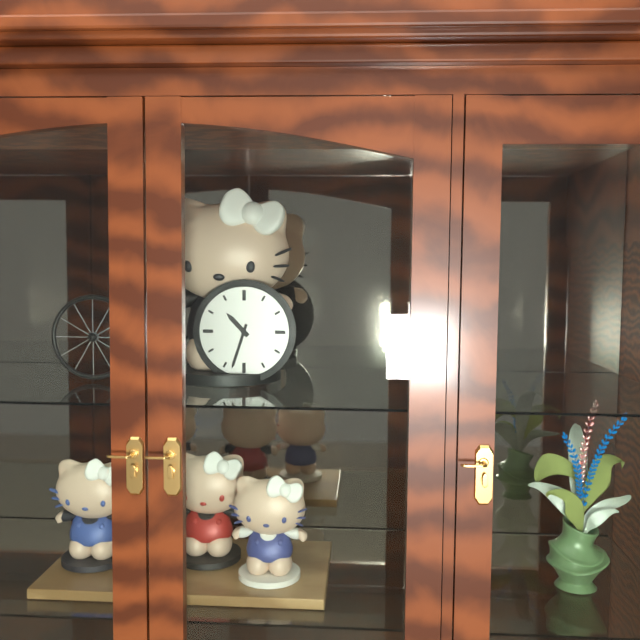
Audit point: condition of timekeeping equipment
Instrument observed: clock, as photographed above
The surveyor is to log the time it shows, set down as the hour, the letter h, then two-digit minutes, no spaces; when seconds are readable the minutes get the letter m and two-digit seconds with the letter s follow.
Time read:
10h33
